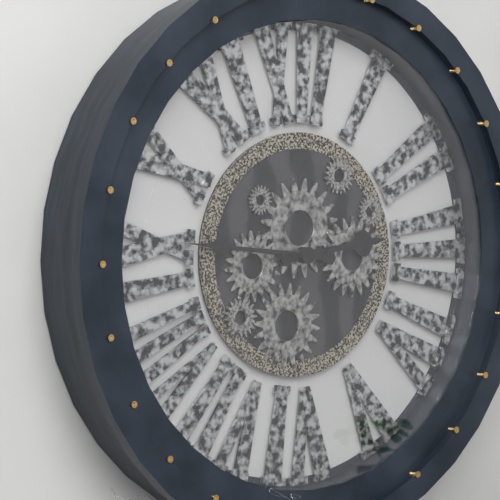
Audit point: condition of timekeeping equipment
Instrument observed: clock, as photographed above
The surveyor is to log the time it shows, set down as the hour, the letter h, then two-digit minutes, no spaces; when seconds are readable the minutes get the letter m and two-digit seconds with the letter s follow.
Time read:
2h46
